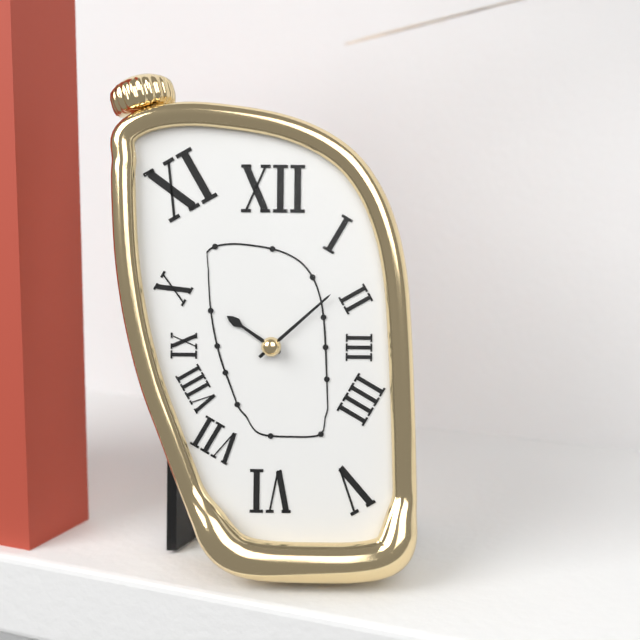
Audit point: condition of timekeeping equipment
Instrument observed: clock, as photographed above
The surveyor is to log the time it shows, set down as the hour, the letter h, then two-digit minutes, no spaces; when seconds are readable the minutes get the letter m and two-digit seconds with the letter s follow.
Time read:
10h08
